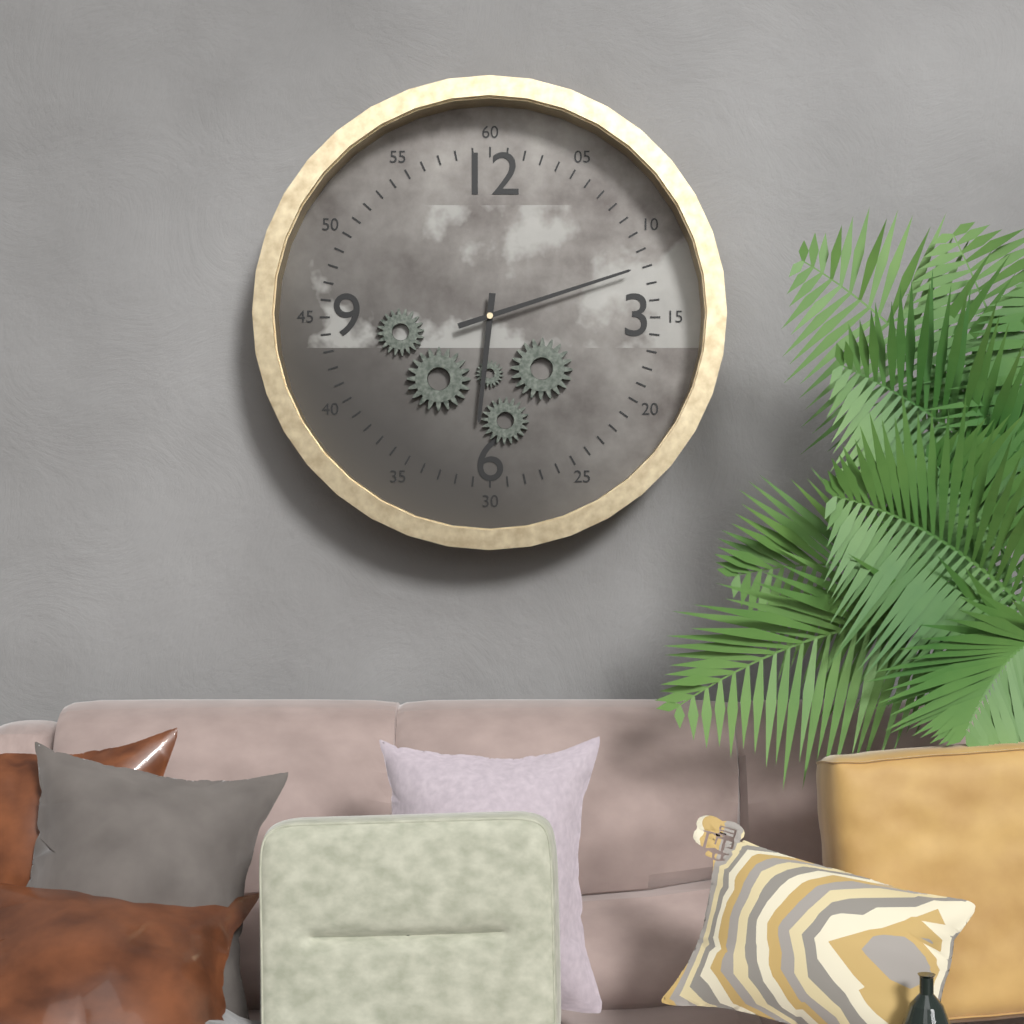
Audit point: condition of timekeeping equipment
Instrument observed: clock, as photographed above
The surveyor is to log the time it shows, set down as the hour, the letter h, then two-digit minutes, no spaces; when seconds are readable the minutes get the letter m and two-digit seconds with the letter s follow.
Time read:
6h12
